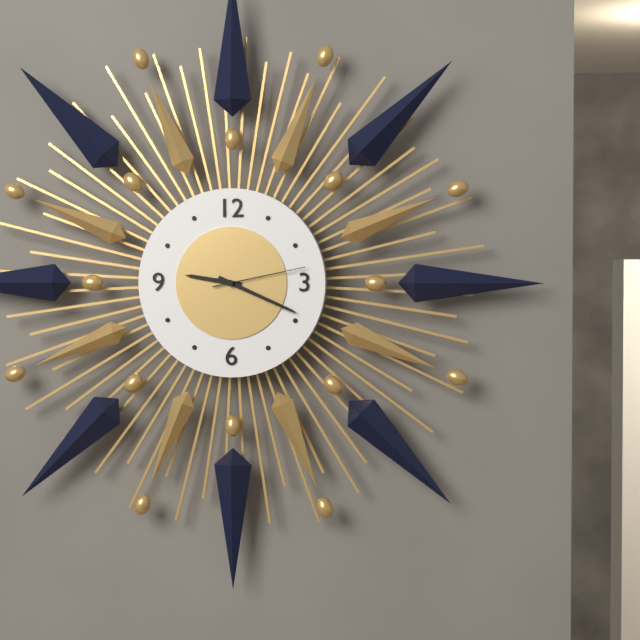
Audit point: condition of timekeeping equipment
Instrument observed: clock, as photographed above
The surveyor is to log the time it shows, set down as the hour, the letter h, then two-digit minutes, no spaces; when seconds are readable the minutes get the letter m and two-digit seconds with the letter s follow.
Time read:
9h19m13s
